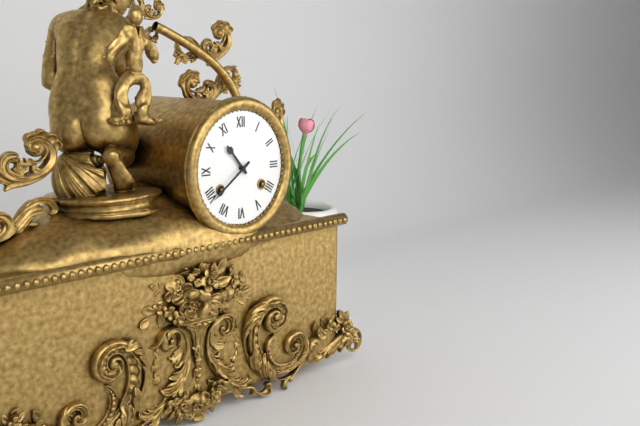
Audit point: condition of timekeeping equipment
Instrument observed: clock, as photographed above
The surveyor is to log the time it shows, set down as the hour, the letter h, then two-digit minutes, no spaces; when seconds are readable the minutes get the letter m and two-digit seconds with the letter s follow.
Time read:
10h39
